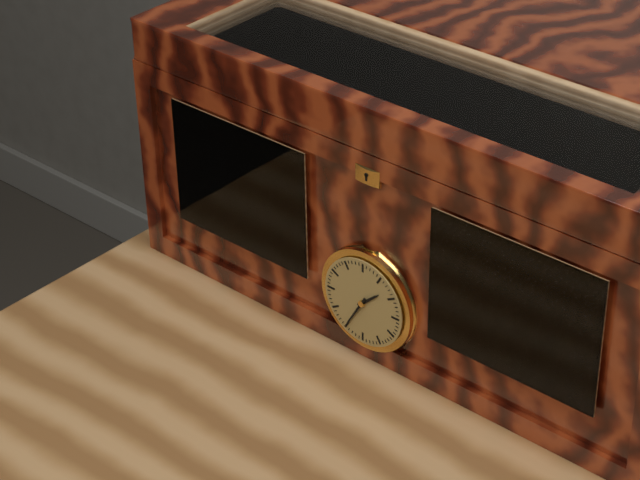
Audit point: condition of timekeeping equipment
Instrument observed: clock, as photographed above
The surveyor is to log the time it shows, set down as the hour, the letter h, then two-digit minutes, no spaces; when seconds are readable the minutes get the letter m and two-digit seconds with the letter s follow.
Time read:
1h35
